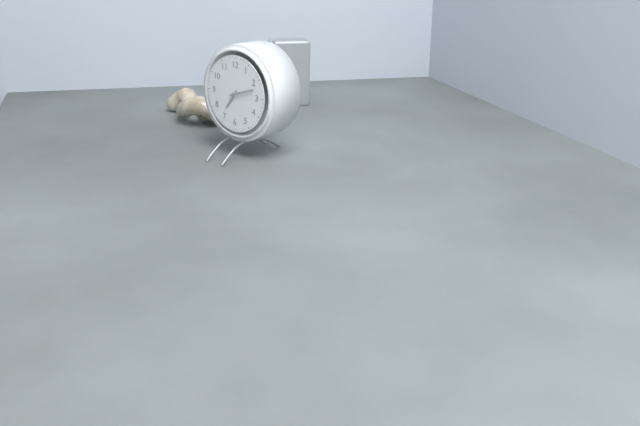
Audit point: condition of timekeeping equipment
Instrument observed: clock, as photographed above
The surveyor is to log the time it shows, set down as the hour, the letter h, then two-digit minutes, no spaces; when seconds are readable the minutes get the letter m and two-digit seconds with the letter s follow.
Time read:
7h12
